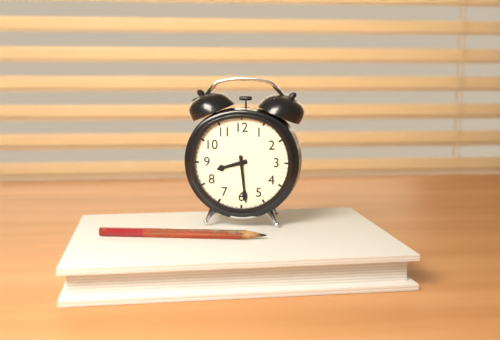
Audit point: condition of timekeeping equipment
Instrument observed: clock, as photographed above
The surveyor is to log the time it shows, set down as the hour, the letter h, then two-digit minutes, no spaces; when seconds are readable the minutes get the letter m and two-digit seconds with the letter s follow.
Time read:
8h29
